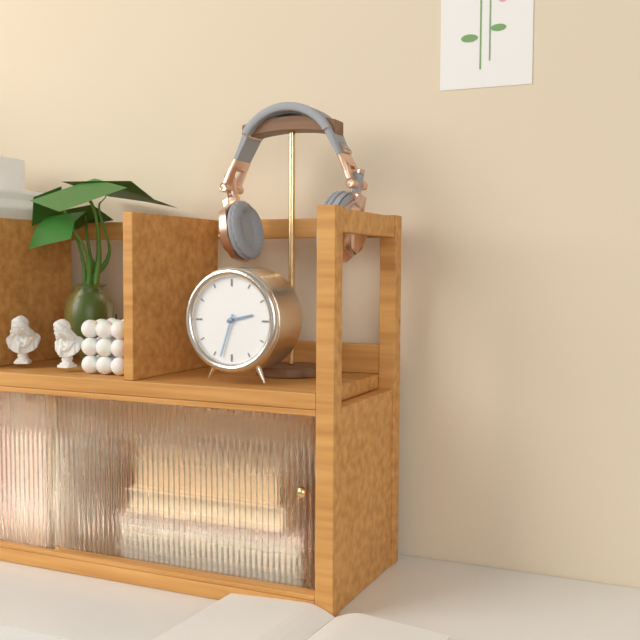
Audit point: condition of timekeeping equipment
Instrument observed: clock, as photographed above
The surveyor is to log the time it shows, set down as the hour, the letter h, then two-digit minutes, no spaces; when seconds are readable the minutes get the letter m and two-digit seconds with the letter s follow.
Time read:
2h33
